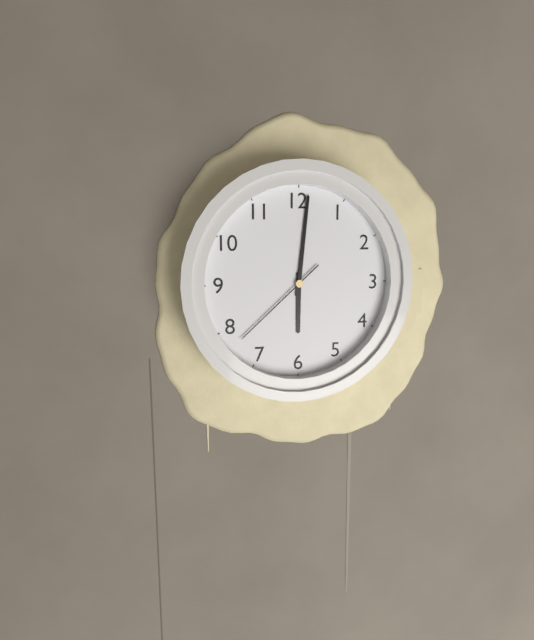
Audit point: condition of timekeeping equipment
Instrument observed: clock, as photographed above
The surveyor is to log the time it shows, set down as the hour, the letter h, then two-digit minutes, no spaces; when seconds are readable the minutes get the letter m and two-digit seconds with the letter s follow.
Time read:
6h01m38s
